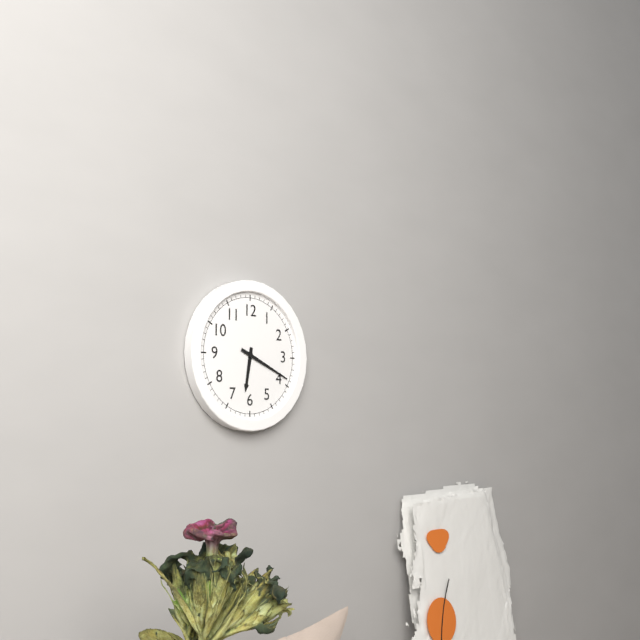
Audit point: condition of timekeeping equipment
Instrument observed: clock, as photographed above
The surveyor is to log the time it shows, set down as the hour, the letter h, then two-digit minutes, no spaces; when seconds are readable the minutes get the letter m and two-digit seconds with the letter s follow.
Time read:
6h19
